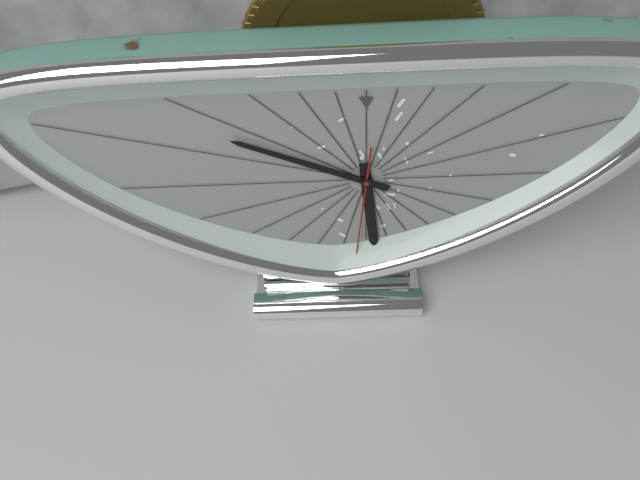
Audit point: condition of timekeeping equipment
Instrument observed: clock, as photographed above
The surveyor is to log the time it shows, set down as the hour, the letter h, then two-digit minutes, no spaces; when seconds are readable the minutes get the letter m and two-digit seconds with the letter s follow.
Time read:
5h49m31s
